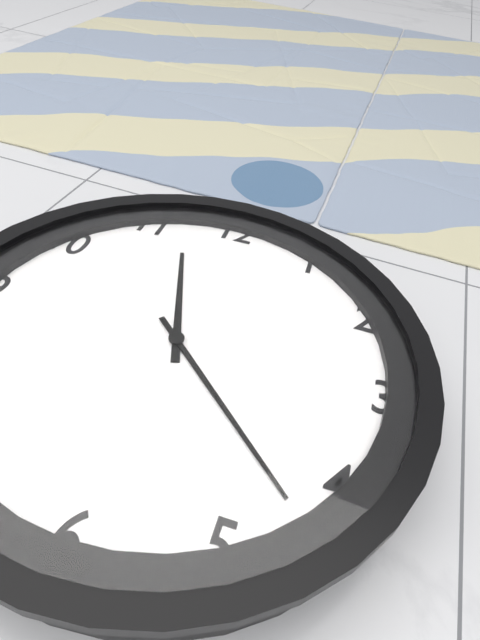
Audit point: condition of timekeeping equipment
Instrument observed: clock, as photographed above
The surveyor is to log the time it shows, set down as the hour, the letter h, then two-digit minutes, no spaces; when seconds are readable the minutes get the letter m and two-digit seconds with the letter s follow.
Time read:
11h22
